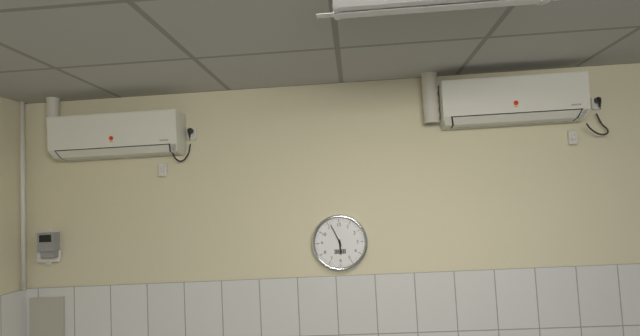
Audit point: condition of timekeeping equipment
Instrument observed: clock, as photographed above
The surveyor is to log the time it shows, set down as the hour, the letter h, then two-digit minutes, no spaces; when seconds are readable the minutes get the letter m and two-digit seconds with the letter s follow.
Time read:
5h56
